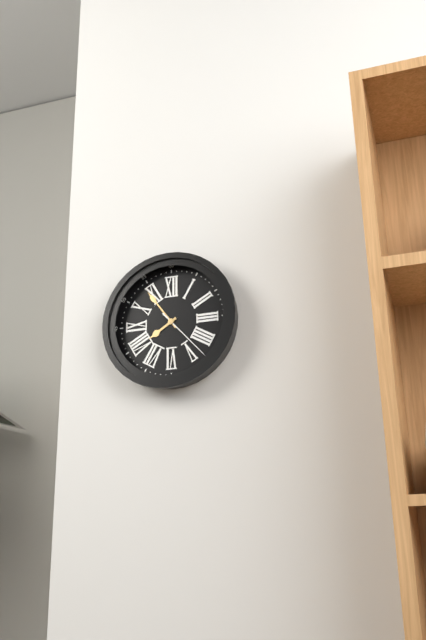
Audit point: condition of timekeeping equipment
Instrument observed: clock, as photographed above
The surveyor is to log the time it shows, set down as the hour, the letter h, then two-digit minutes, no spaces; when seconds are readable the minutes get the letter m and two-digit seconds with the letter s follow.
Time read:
7h54m23s
